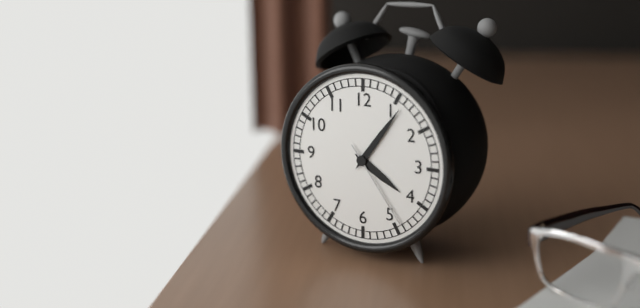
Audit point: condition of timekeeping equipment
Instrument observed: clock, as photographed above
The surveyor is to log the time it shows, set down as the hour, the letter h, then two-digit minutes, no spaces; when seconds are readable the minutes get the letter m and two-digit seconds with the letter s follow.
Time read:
4h06m24s
